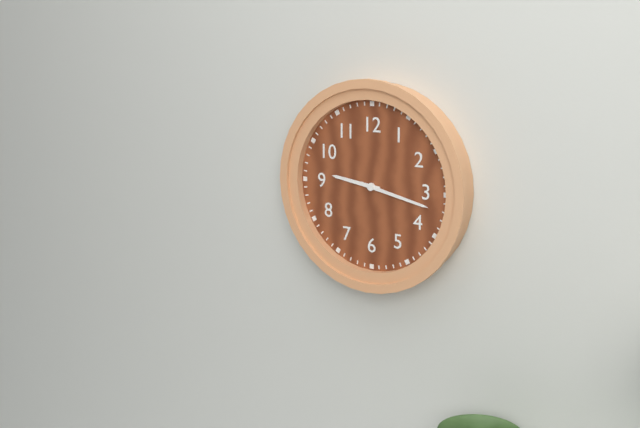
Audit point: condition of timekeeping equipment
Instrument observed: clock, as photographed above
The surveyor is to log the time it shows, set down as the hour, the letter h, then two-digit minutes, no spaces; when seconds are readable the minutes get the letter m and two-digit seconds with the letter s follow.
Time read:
9h17
